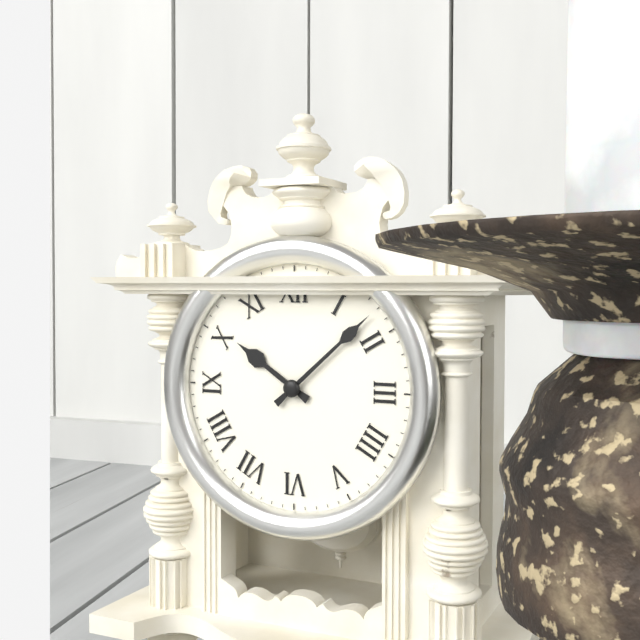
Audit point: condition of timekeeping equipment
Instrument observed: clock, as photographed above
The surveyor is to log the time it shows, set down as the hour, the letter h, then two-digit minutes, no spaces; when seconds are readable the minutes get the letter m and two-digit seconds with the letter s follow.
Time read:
10h08
